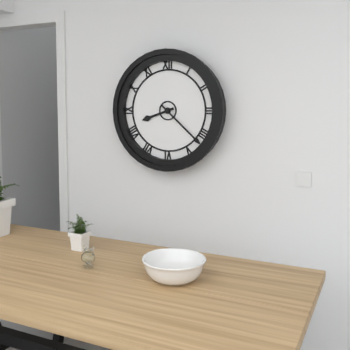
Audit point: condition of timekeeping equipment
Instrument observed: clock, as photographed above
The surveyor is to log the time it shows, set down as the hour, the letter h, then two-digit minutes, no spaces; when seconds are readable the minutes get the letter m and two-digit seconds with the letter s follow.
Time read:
8h22
